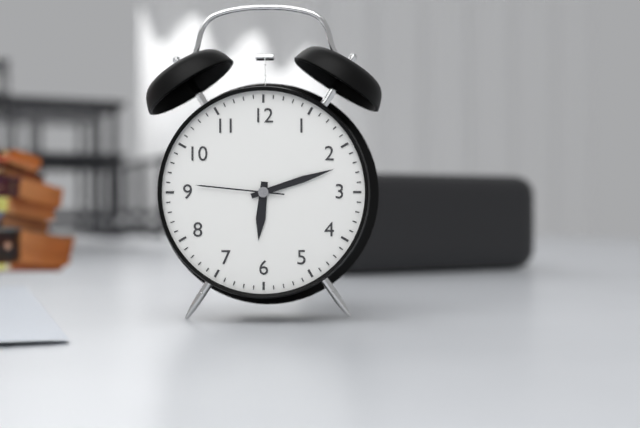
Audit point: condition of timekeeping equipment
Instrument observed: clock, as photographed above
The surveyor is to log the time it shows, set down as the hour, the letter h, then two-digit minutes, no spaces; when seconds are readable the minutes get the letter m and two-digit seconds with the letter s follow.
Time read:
6h12m46s
